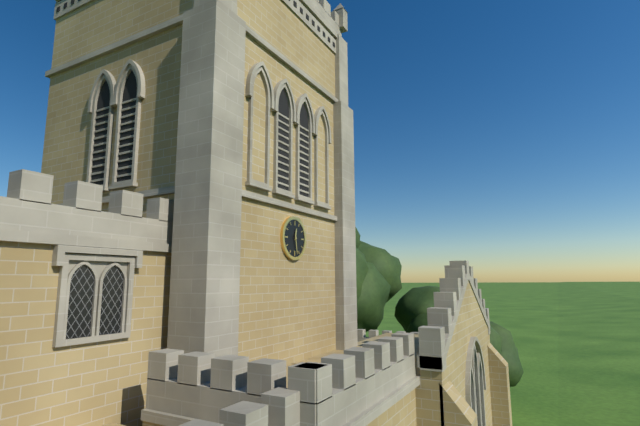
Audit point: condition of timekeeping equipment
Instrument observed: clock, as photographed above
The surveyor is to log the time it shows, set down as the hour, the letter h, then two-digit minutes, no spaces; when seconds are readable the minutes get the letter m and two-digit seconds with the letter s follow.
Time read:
12h28
